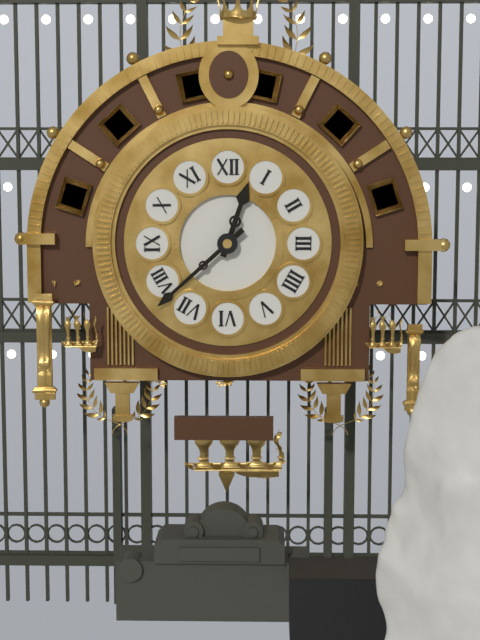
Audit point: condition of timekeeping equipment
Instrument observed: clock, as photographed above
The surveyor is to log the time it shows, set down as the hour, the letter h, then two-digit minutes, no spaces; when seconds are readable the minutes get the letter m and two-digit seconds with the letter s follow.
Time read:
12h38
